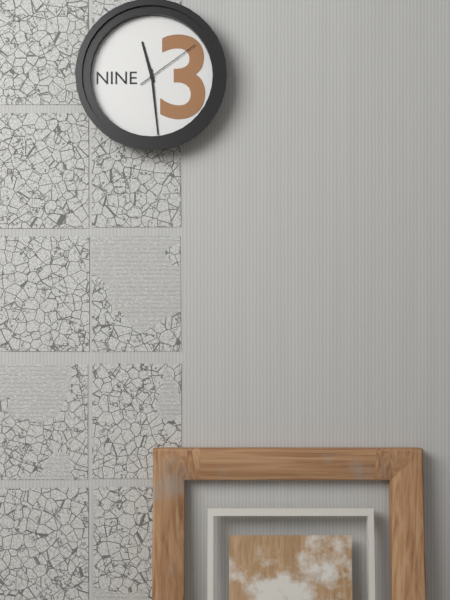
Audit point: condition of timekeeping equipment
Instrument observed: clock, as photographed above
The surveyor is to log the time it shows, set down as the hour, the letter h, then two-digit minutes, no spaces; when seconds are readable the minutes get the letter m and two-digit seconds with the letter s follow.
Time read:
11h29m09s
